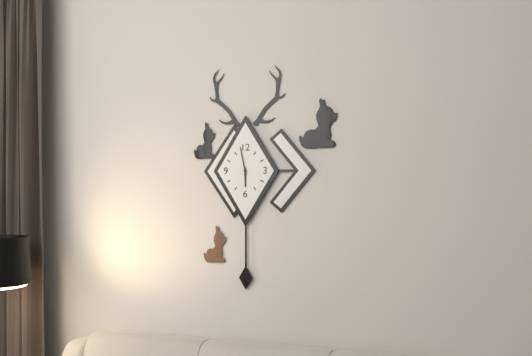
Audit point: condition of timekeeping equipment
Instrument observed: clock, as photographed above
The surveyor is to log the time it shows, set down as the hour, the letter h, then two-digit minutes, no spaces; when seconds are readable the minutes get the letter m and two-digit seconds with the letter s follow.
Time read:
5h58
